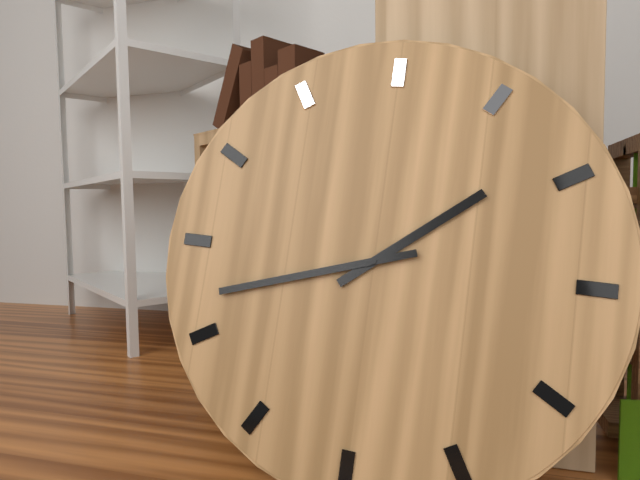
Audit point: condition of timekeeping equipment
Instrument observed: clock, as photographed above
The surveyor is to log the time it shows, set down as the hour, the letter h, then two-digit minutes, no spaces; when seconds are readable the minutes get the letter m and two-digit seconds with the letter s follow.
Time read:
1h42
